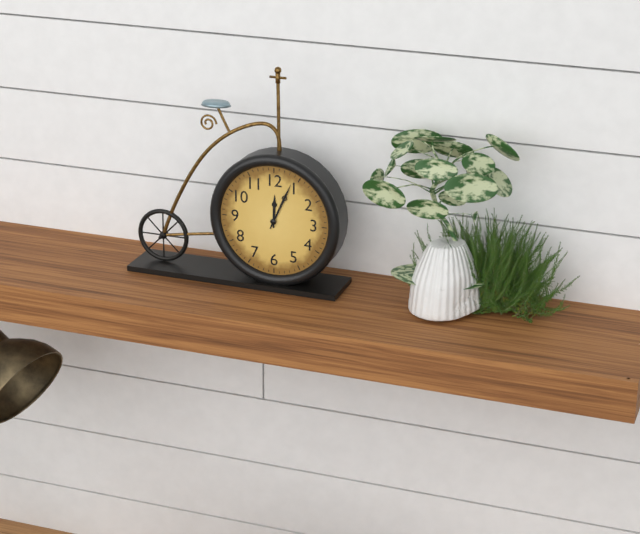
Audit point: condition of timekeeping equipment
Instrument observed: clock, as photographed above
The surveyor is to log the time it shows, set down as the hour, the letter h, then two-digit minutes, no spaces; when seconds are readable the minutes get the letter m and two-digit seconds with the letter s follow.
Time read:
12h04
